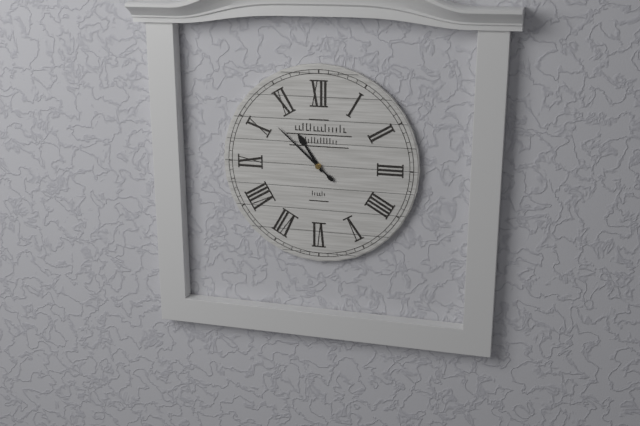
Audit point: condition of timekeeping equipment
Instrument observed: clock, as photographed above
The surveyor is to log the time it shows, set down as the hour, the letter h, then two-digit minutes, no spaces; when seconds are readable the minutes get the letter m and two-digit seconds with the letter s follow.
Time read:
10h52
